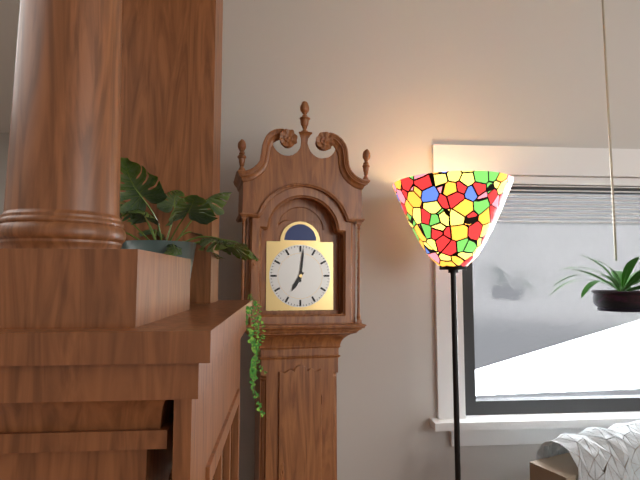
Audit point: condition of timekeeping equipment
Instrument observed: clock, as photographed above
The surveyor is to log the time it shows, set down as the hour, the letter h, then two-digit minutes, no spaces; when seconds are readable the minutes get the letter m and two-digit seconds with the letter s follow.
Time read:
7h01
